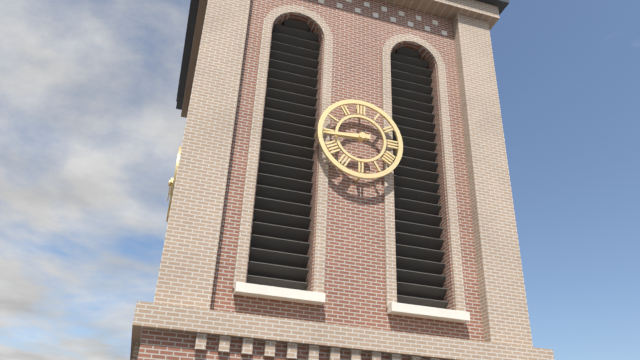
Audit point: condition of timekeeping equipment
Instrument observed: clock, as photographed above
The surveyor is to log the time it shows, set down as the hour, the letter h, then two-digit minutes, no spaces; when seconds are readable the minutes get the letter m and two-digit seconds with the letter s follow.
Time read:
8h44
